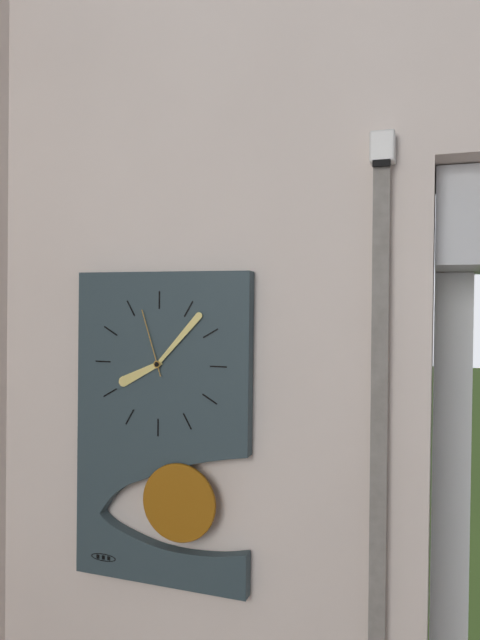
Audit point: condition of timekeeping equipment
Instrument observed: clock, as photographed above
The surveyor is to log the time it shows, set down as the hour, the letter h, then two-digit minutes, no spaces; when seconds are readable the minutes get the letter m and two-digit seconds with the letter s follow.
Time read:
8h07m57s
